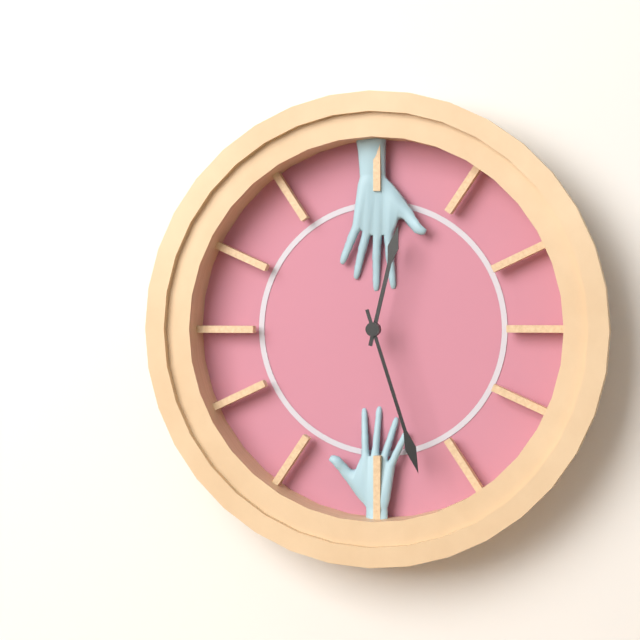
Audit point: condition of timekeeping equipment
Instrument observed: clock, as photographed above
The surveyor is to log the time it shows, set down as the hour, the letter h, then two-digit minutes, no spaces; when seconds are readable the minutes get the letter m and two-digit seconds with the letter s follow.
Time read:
12h27
